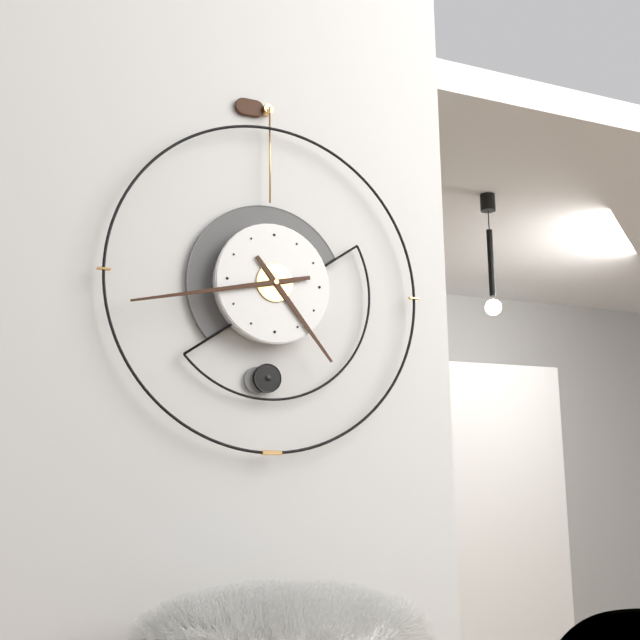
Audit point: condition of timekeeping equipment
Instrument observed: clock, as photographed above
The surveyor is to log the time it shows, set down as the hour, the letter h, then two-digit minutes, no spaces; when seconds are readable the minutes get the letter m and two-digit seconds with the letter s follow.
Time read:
4h43
